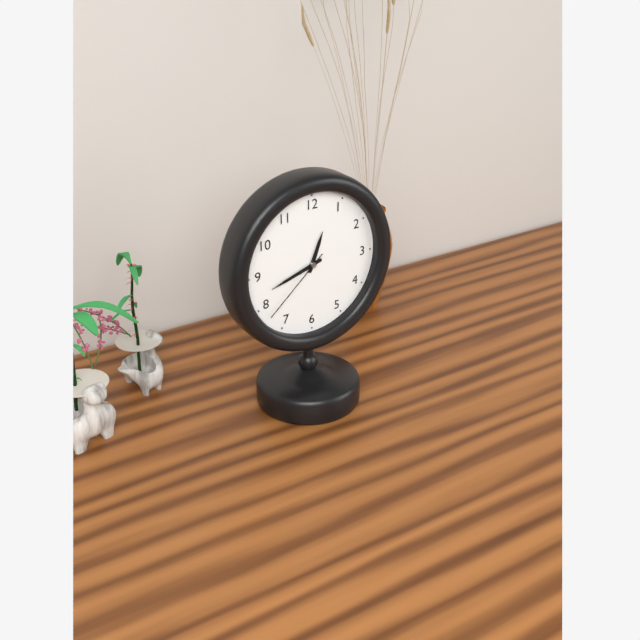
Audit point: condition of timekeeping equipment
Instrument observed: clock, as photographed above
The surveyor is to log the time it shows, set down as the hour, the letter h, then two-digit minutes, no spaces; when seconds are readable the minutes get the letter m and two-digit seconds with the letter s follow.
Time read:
12h42m38s
